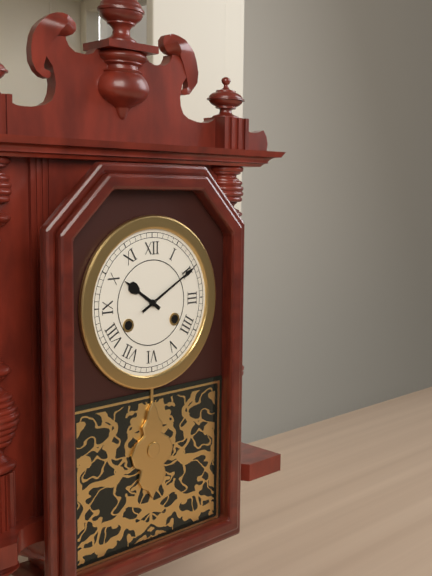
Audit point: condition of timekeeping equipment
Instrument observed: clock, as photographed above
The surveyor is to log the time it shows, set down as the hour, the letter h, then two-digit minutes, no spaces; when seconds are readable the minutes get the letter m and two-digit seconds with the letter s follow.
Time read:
10h10
